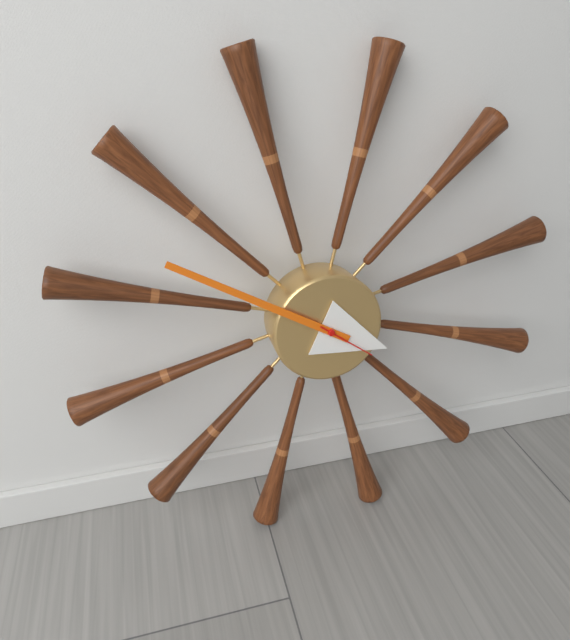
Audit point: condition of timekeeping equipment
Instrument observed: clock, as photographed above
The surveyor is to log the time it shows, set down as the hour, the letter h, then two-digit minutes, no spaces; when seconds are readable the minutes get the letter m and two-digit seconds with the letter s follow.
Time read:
3h50m21s
